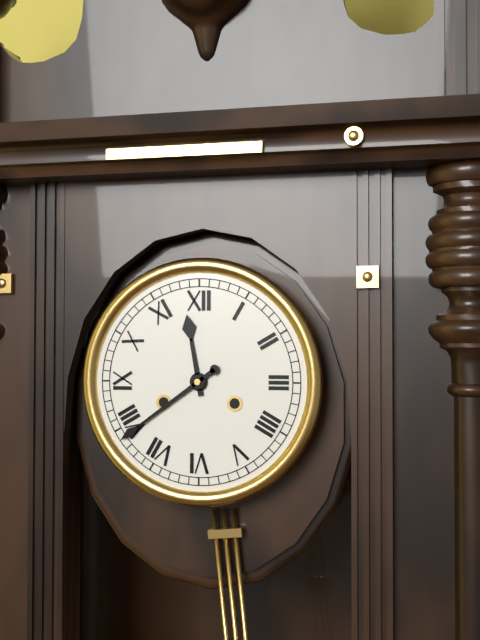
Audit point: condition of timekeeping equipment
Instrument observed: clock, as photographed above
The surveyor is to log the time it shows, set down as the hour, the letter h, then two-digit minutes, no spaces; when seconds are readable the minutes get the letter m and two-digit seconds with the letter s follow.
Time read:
11h39
